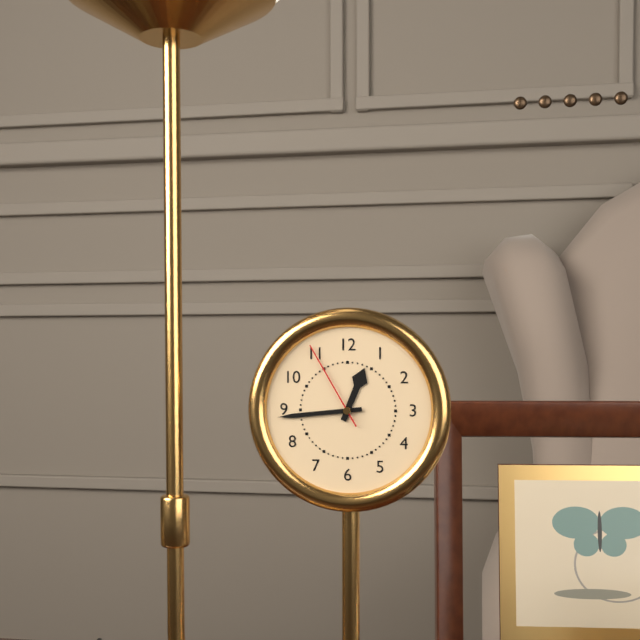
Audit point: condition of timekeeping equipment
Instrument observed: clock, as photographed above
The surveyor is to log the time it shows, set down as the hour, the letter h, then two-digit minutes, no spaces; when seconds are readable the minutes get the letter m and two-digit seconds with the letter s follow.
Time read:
12h44m55s
